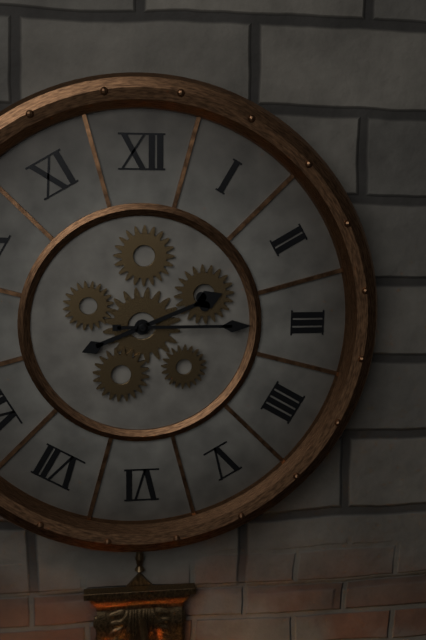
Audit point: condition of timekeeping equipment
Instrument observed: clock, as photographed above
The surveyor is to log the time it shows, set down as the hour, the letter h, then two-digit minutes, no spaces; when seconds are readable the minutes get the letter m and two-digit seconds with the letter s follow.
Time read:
2h15
